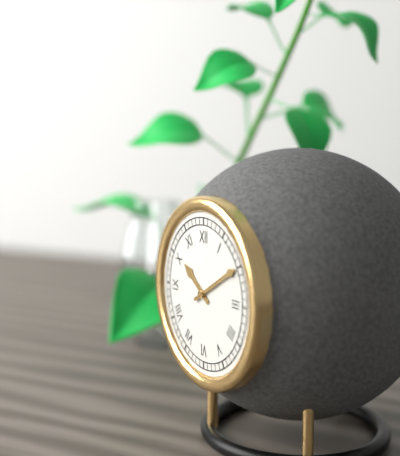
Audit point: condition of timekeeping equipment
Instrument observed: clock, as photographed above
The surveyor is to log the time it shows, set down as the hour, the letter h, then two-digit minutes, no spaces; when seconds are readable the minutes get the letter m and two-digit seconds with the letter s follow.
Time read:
10h10
